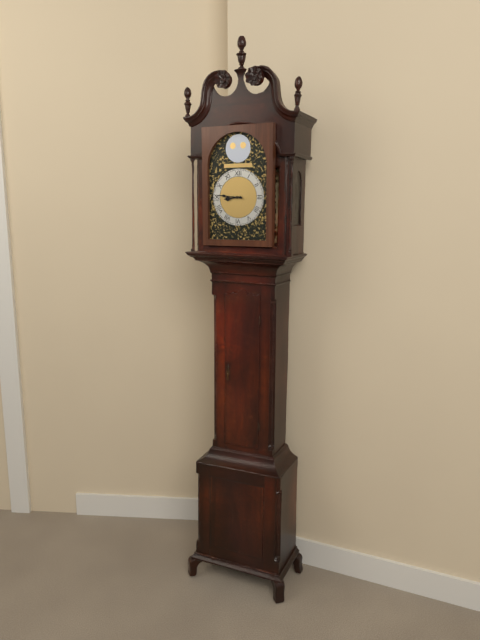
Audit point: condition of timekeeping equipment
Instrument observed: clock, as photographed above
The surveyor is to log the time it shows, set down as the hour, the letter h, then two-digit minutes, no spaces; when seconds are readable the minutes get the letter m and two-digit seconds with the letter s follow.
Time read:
8h46
